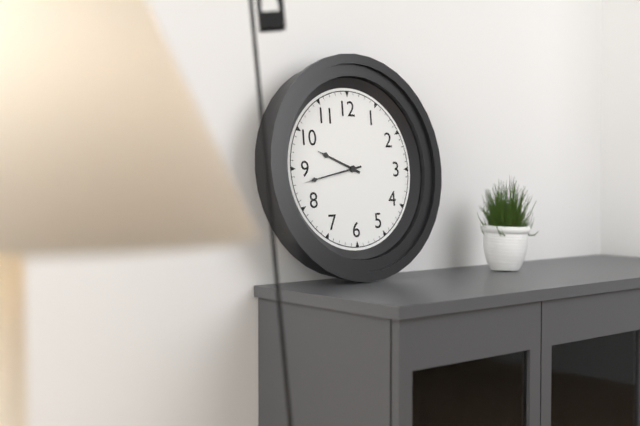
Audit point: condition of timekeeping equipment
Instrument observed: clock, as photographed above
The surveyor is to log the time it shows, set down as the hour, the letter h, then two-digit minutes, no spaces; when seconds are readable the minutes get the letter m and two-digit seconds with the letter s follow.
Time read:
9h43
